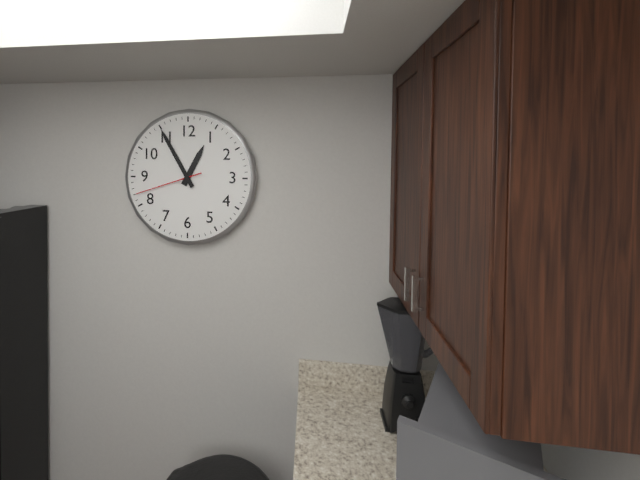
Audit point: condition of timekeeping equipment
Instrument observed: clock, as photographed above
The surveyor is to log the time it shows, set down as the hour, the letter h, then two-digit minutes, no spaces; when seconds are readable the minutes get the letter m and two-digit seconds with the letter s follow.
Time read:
12h55m42s
